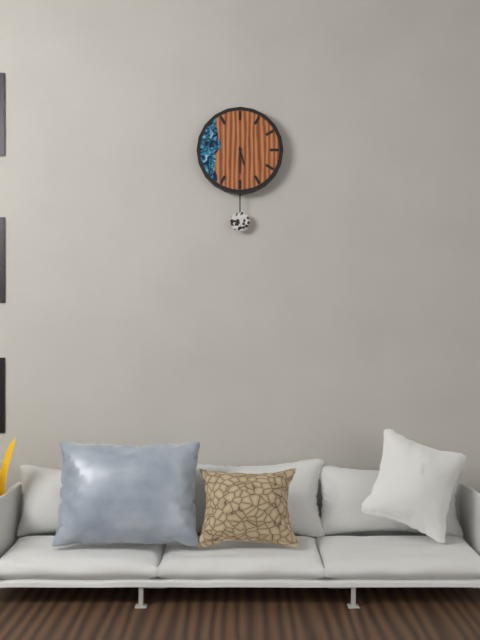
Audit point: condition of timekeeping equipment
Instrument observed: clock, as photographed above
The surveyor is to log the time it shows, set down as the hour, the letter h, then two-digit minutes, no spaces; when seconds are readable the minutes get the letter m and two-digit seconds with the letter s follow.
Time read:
5h30
